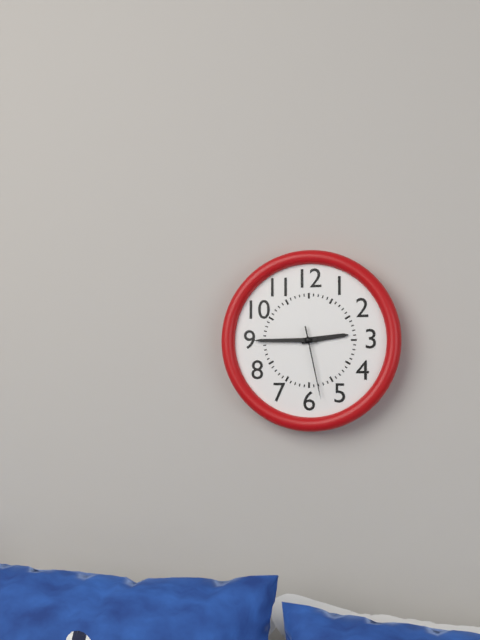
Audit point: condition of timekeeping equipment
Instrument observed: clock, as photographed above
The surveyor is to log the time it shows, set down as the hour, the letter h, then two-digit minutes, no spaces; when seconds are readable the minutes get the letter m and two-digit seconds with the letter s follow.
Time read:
2h45m28s
